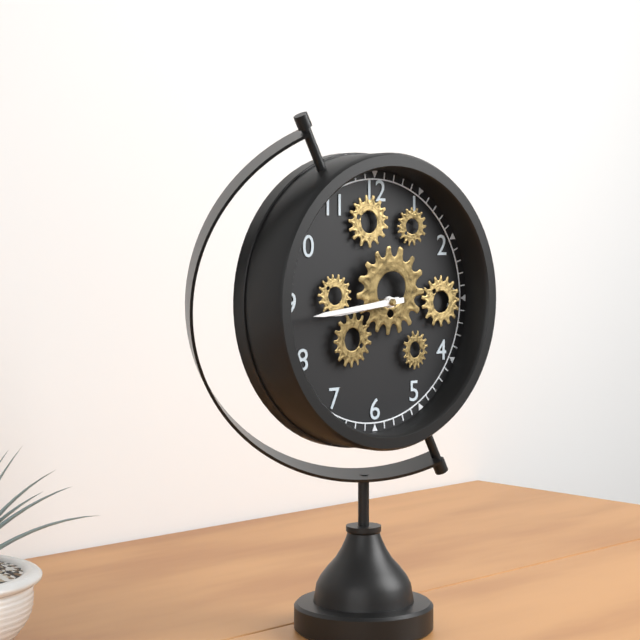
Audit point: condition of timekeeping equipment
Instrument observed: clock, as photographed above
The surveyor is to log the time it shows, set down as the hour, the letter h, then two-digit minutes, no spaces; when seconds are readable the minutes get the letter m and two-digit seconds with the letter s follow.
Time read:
8h44
